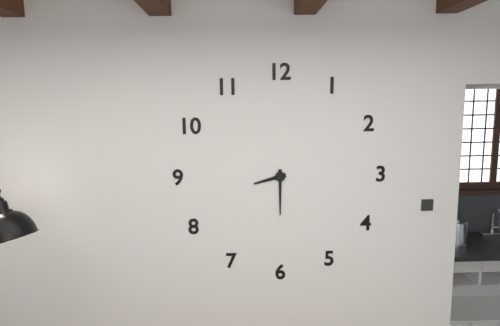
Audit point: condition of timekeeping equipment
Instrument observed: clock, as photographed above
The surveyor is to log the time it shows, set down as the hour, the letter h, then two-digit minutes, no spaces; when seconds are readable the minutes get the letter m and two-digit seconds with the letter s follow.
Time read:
8h30
